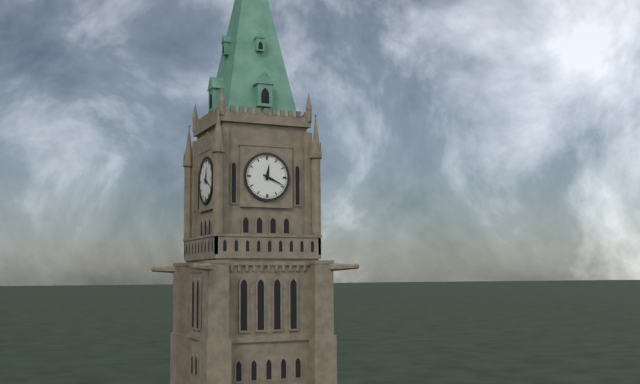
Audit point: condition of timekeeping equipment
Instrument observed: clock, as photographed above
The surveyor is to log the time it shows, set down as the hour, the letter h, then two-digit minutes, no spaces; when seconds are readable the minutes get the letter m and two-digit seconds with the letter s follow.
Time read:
12h19
